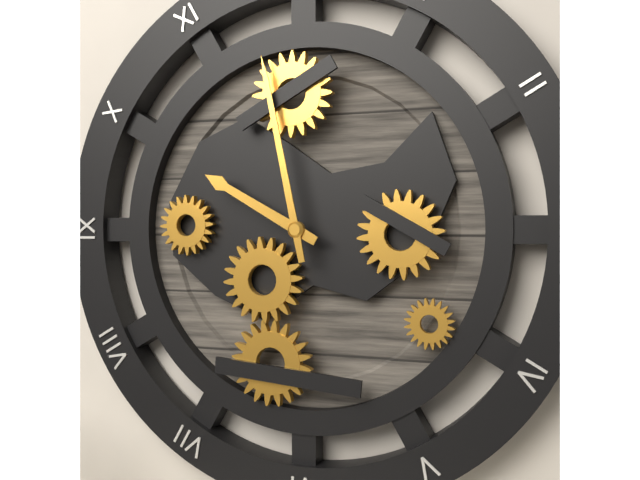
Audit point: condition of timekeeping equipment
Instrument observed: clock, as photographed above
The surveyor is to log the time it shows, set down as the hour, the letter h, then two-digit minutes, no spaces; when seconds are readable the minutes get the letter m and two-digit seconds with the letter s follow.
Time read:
9h58
